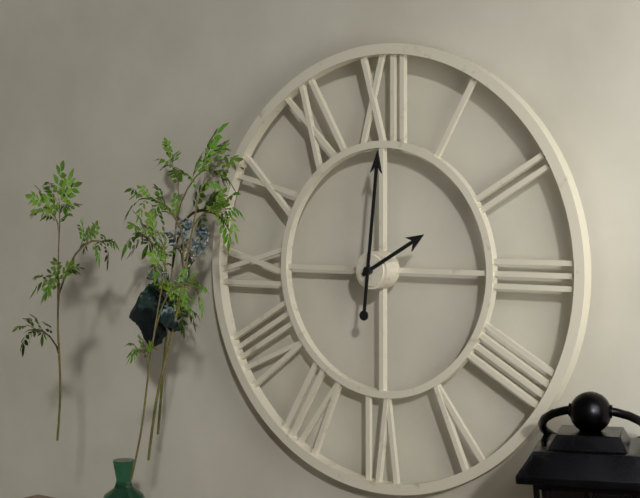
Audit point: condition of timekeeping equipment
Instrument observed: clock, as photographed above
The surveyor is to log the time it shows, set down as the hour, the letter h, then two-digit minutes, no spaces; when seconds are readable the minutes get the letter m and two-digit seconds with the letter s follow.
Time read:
2h01
